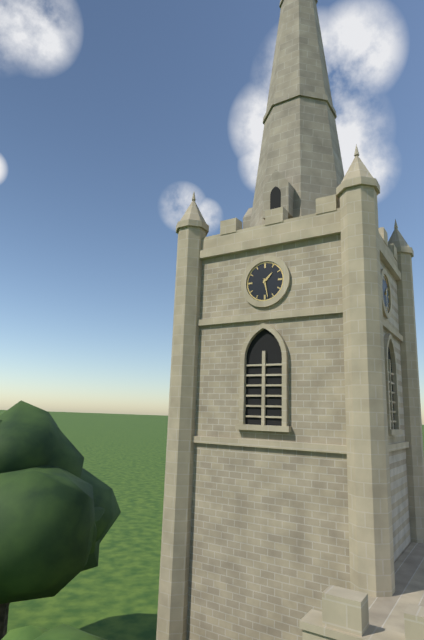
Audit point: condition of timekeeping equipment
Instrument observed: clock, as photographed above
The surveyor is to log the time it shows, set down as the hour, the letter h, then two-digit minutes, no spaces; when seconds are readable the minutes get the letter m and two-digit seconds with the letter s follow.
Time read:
1h28
